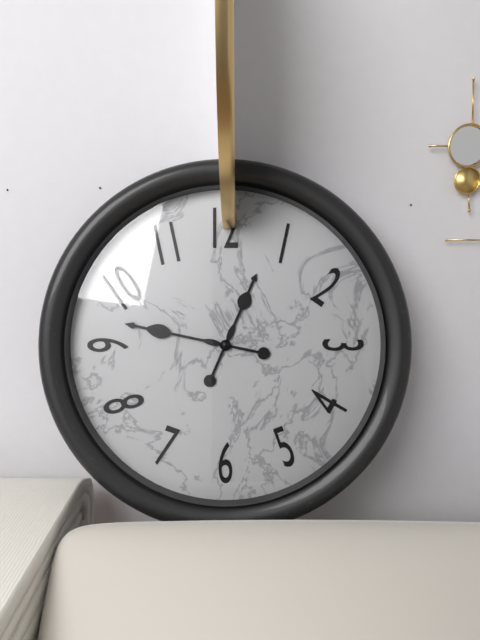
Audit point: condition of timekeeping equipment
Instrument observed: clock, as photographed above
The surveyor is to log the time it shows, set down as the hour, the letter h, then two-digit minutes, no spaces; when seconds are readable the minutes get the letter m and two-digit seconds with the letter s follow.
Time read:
12h47
